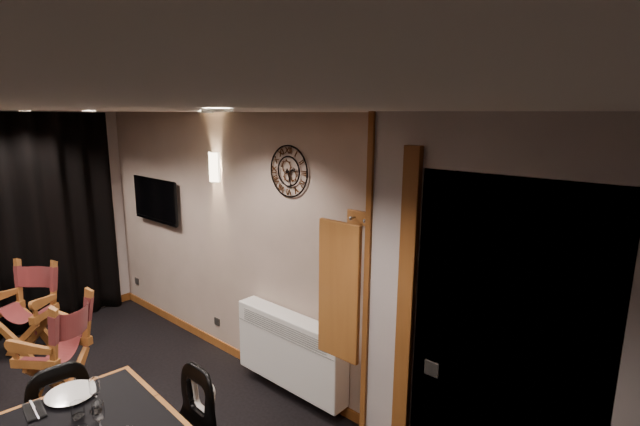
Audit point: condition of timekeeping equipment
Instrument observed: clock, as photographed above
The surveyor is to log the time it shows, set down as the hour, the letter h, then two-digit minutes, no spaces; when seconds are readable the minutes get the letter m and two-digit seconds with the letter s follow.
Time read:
2h27
